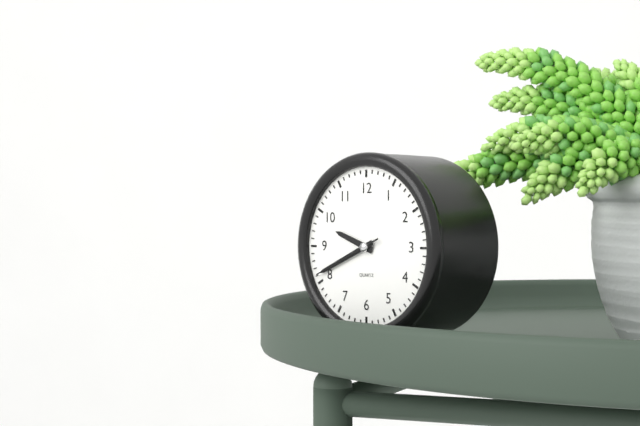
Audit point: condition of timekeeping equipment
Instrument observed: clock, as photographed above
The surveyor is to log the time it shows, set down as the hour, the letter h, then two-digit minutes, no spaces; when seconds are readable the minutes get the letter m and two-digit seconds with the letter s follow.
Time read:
9h41m41s
